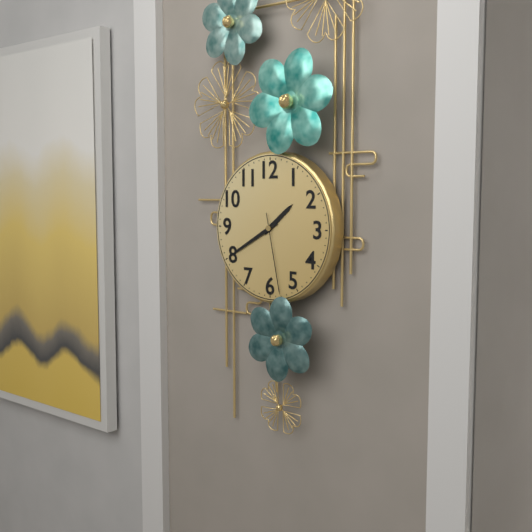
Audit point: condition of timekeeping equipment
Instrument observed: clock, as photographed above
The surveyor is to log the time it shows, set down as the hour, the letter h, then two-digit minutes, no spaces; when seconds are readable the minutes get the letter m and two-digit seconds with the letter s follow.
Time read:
1h40m28s
